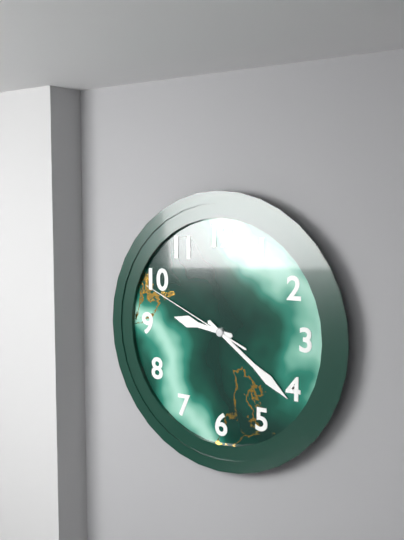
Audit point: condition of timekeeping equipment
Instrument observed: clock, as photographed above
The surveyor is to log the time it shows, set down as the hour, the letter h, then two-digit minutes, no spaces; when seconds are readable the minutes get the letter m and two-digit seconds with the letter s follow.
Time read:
9h21m49s
